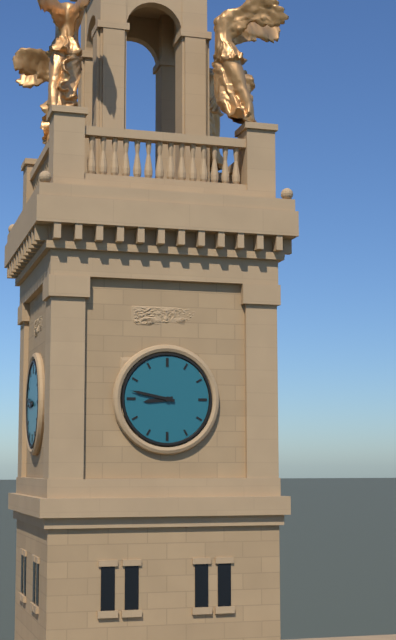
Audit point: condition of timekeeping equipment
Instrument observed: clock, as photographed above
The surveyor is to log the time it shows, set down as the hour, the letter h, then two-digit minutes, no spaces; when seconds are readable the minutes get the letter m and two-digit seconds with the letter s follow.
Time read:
8h47
